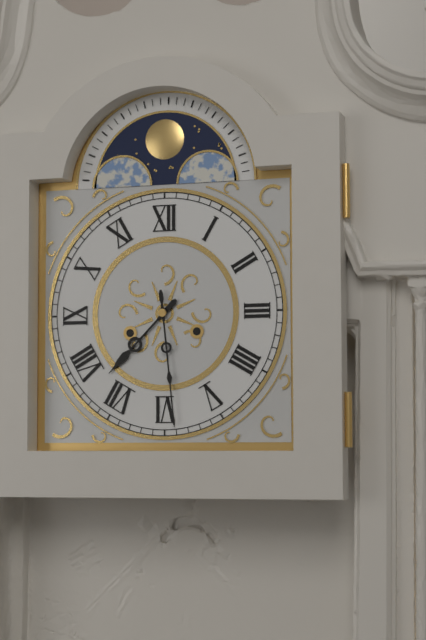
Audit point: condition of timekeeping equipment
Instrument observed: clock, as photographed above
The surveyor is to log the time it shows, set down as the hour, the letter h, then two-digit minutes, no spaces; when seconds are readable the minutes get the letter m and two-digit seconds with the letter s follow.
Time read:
7h29
